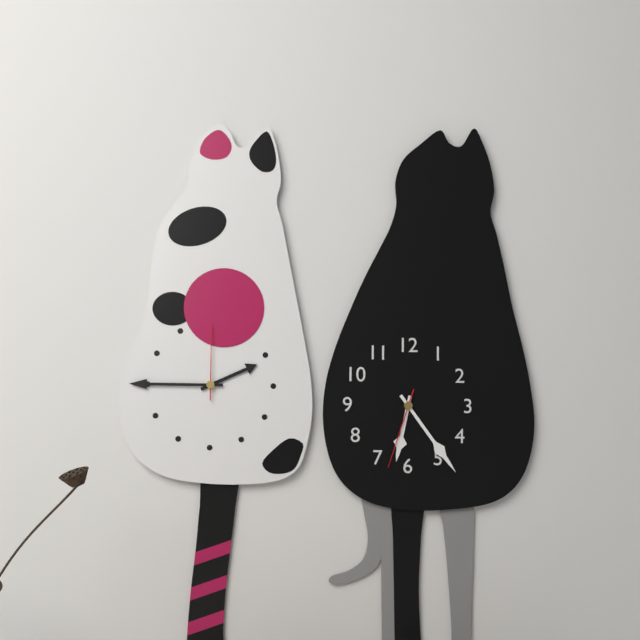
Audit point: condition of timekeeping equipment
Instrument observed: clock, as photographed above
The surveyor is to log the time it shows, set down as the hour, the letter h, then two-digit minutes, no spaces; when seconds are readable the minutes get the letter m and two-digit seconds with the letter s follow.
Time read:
6h24m33s
